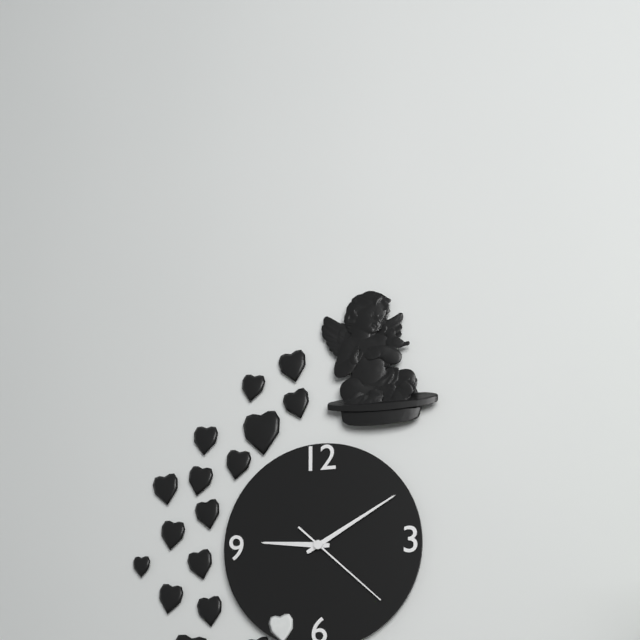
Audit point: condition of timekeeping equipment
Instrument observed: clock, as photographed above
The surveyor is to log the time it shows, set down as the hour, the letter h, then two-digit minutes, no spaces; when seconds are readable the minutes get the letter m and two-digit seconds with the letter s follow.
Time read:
9h10m22s
